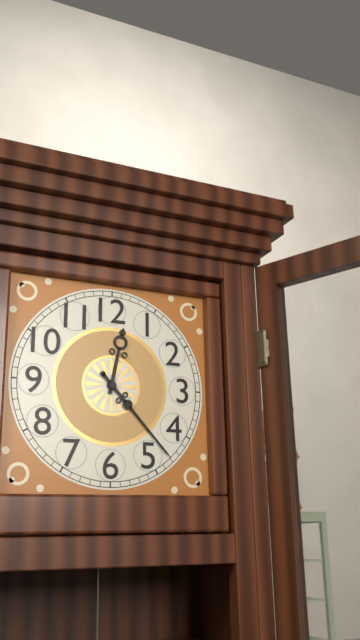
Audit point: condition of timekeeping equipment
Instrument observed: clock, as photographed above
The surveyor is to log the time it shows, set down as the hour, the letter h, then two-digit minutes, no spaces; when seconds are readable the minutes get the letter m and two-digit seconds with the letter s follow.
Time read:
12h23
